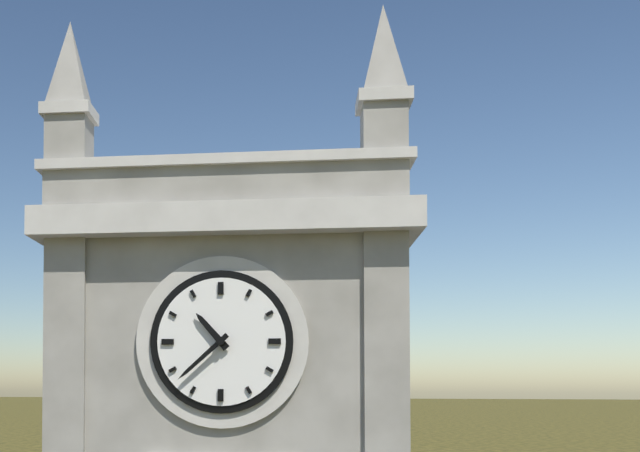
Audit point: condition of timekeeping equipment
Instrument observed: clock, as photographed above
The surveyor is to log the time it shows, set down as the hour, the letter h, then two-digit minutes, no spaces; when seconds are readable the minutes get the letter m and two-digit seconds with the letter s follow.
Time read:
10h38
